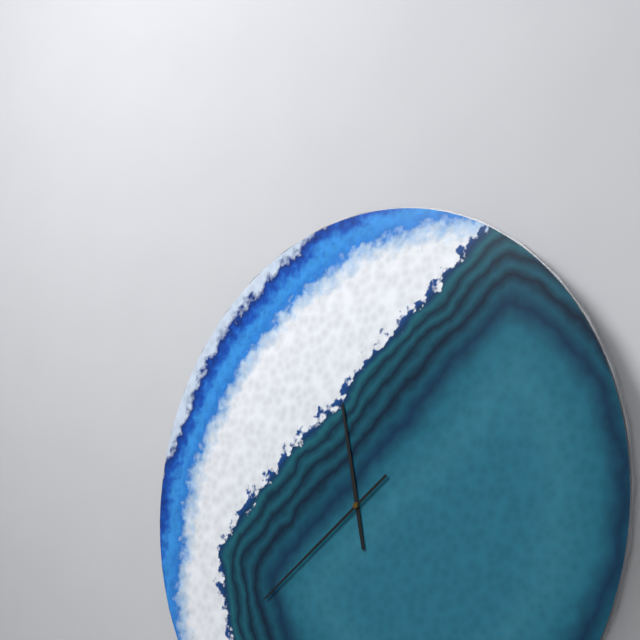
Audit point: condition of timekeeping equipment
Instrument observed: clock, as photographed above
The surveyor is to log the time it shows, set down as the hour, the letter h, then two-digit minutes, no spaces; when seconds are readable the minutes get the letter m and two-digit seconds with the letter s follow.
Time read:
11h39
